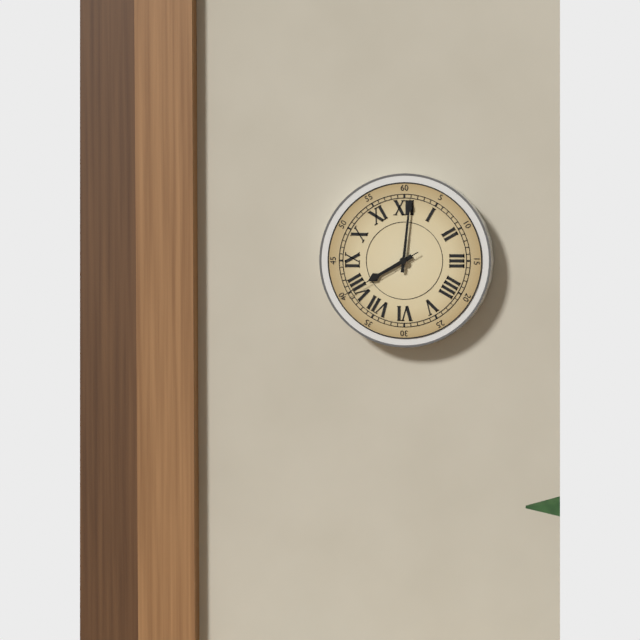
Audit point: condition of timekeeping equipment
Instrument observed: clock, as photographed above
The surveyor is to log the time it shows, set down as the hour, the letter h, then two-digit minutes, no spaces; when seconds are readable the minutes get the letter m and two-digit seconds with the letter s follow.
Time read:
8h01m40s
